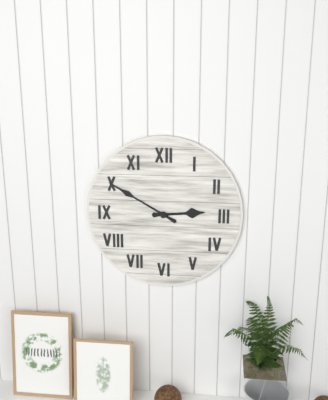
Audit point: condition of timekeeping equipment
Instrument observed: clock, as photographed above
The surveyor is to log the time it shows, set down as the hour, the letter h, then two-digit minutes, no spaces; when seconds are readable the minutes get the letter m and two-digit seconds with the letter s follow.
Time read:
2h50
